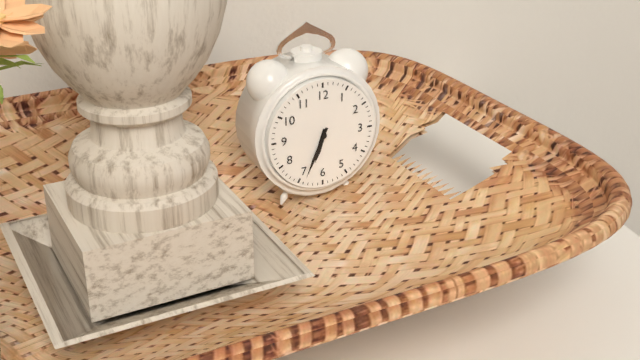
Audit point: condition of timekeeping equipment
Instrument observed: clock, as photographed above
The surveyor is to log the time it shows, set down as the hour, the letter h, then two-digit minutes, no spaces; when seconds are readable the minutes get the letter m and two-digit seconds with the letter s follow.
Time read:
6h34
